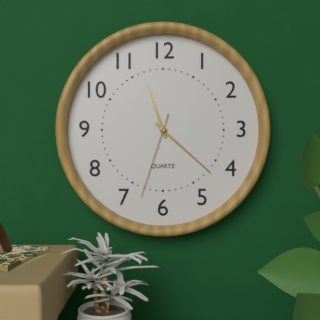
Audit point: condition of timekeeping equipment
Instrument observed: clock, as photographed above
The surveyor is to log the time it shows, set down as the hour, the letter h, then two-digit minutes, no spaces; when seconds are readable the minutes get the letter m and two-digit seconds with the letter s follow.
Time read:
11h22m33s
